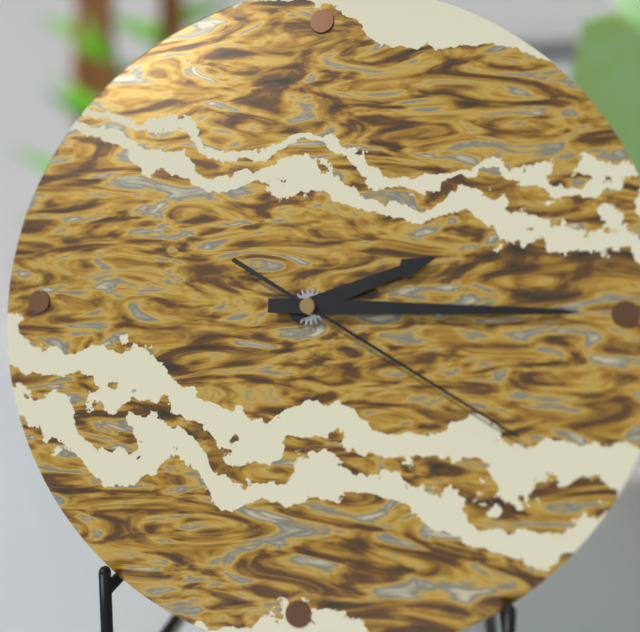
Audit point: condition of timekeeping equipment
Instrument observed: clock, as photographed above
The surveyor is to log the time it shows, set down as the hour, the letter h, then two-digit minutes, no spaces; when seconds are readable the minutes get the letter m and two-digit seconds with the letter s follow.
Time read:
2h15m20s
